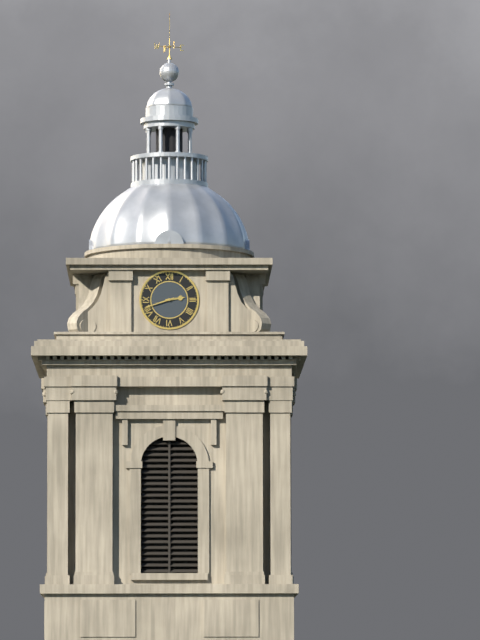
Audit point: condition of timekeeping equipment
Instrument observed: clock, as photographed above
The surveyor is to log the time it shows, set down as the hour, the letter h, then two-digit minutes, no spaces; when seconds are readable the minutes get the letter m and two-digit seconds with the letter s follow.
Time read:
2h42
